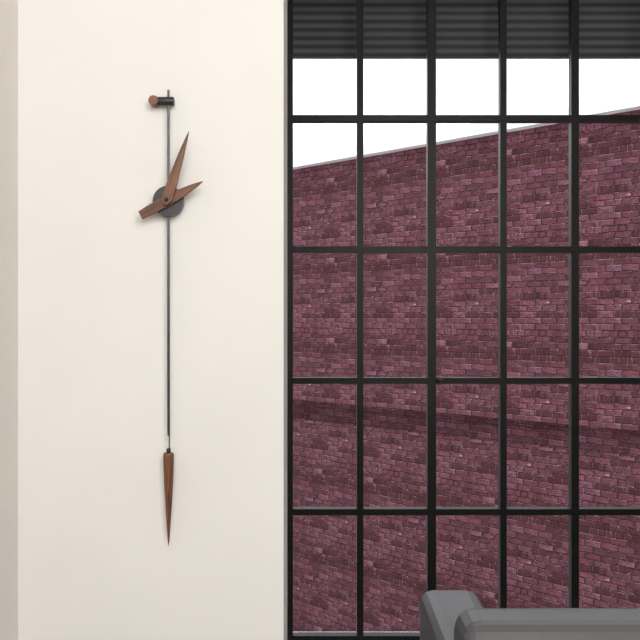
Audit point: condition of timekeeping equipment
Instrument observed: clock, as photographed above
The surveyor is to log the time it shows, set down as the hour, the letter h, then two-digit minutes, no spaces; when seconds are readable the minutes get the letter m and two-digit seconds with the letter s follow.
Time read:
2h03
